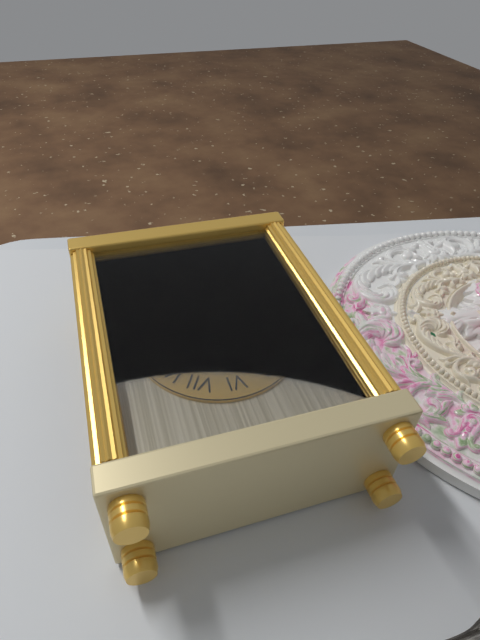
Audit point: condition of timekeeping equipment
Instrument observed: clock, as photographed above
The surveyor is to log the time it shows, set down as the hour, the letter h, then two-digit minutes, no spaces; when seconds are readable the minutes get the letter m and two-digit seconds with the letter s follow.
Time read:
5h57
